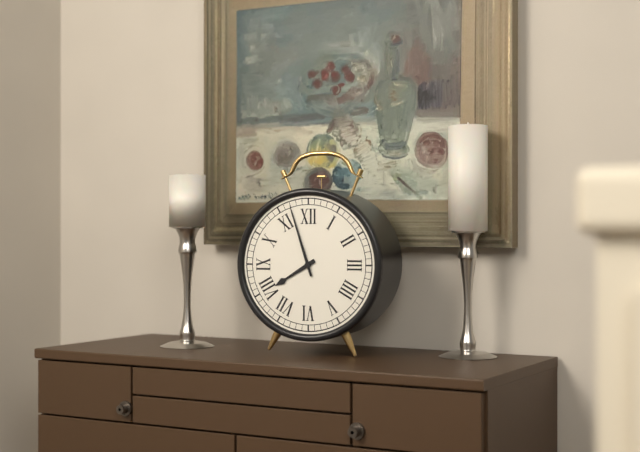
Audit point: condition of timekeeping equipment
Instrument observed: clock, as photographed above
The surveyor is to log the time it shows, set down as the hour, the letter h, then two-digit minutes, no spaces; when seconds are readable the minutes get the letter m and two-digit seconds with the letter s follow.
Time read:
7h57
